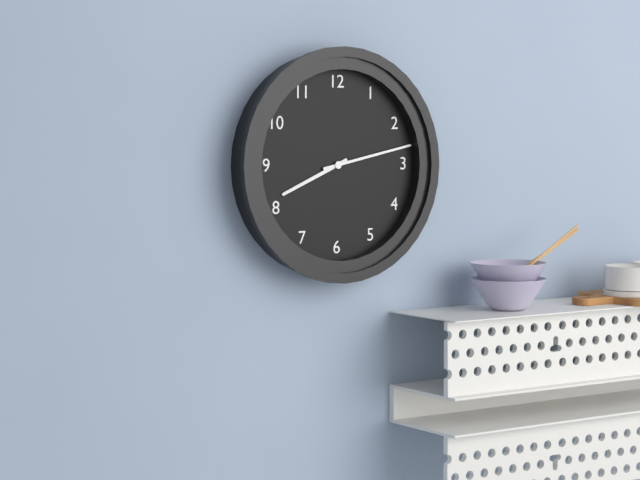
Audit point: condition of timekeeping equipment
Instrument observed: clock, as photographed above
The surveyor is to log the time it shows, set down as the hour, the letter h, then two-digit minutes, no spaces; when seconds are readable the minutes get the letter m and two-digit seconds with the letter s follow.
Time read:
8h13
